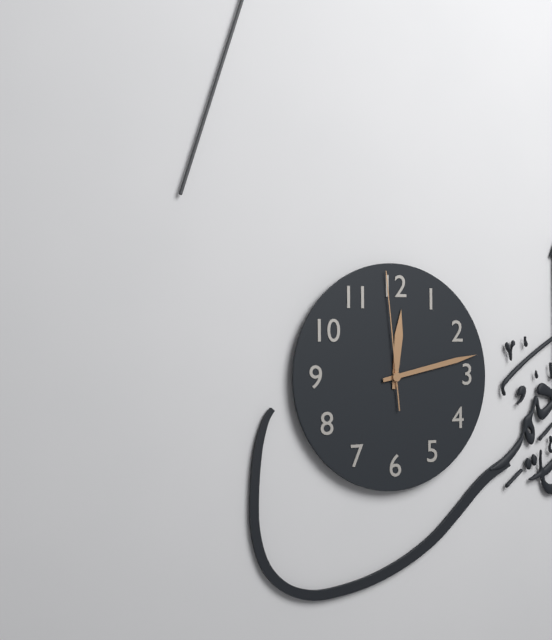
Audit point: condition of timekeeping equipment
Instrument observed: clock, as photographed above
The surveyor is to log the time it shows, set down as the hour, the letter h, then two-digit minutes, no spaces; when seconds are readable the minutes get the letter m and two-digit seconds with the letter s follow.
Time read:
12h13m59s
